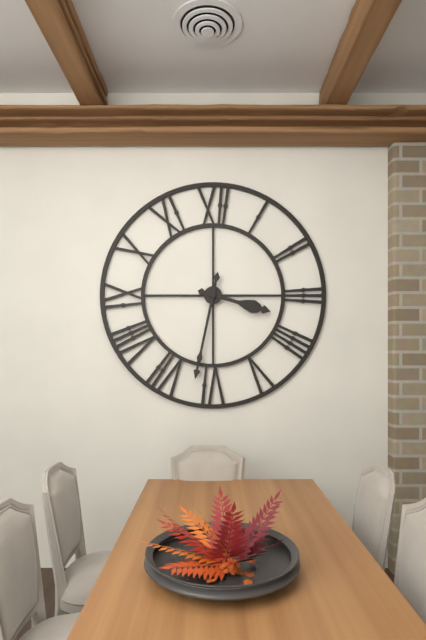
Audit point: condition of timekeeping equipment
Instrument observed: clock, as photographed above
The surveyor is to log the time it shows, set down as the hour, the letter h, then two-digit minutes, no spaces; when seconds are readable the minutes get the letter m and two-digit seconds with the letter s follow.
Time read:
3h32
